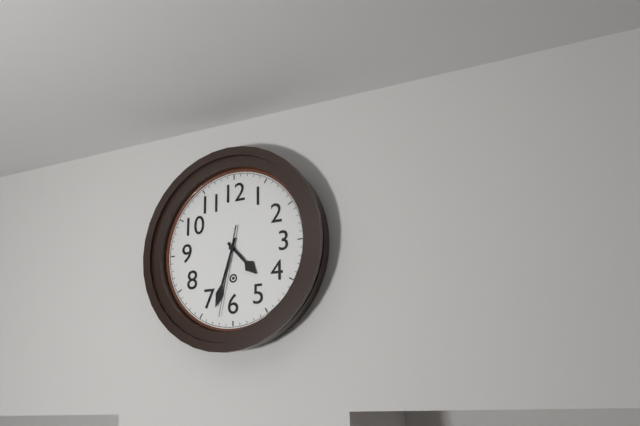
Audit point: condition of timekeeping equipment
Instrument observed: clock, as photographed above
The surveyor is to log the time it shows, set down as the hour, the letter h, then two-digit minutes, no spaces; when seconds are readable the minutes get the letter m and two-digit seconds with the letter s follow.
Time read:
4h33m32s
